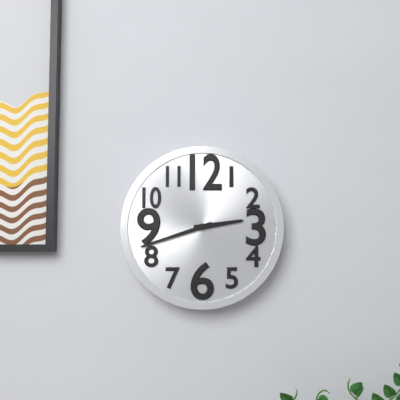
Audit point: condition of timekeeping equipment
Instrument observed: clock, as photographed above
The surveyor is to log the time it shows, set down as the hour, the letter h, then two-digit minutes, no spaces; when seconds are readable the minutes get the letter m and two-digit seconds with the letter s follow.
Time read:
2h42
